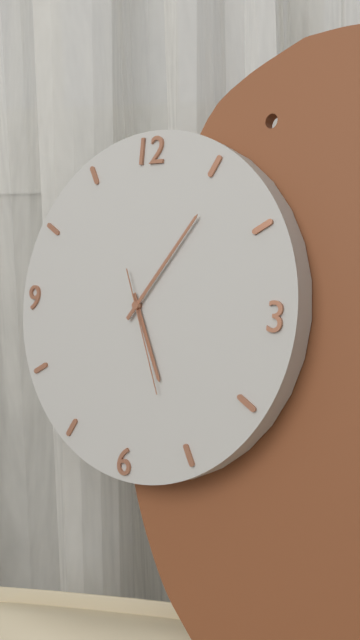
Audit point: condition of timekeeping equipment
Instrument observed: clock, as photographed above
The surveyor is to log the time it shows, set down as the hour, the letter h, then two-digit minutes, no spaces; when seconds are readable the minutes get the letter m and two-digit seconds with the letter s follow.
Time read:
5h06m26s
